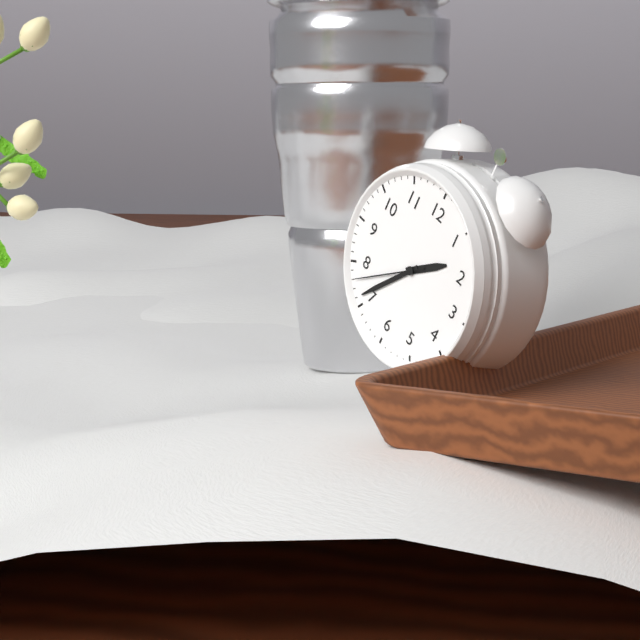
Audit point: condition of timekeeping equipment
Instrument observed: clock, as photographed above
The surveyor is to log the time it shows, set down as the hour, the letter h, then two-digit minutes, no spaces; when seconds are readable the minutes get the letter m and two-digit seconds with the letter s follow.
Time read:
1h36m38s
